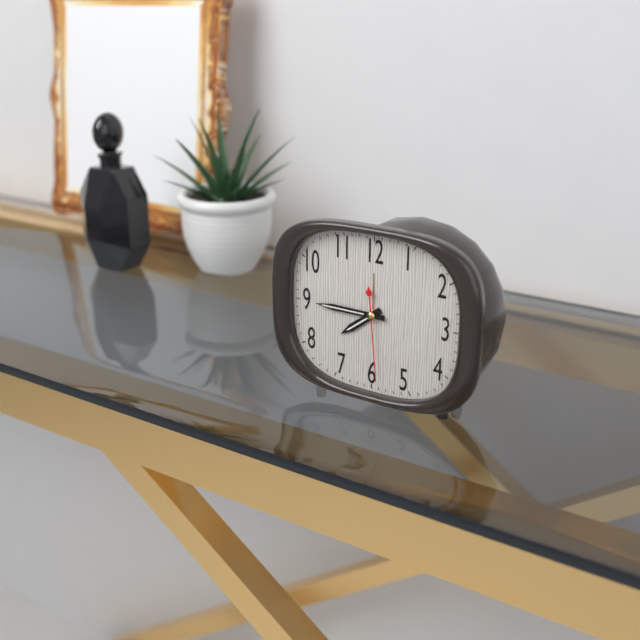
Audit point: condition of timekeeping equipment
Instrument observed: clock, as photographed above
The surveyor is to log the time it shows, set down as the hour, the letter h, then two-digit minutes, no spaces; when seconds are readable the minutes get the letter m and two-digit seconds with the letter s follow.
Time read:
7h45m29s
